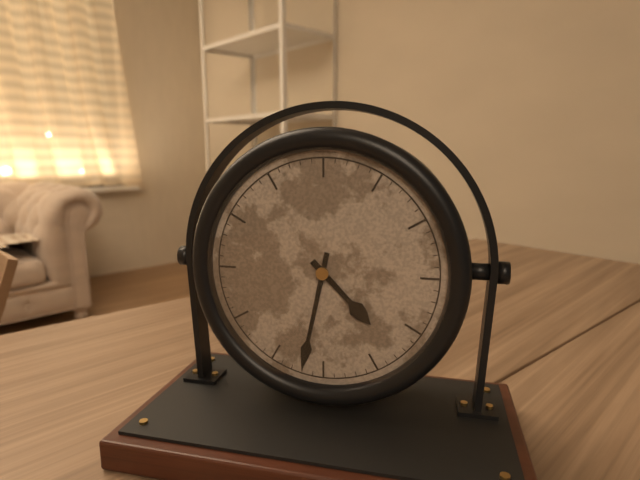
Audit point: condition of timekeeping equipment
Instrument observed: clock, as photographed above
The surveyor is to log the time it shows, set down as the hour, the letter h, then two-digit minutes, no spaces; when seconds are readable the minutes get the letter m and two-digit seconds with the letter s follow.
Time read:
4h32
